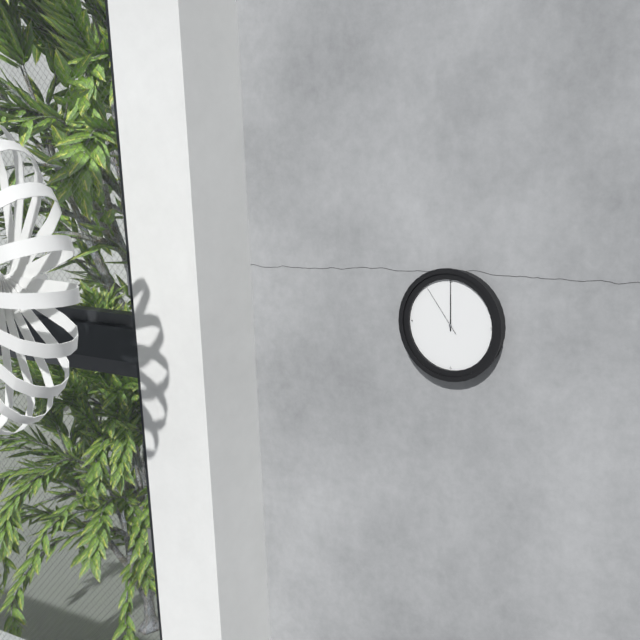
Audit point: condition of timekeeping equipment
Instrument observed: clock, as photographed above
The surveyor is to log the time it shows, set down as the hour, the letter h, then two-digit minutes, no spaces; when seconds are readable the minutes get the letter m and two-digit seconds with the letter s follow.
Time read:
12h00m54s
